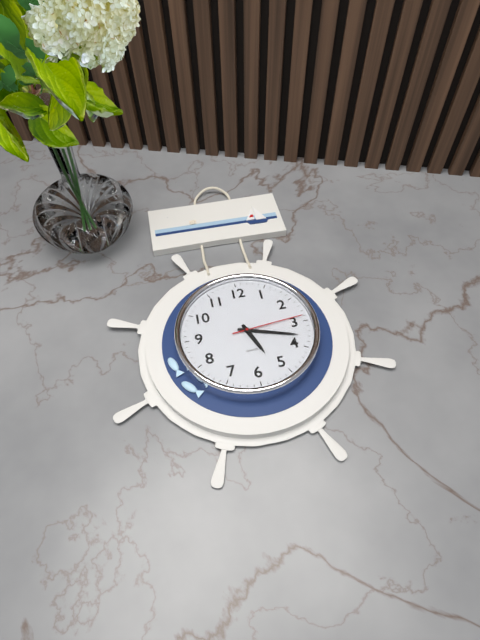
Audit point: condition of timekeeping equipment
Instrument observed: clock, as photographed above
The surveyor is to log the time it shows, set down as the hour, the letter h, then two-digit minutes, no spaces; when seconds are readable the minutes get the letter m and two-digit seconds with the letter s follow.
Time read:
5h18m14s
